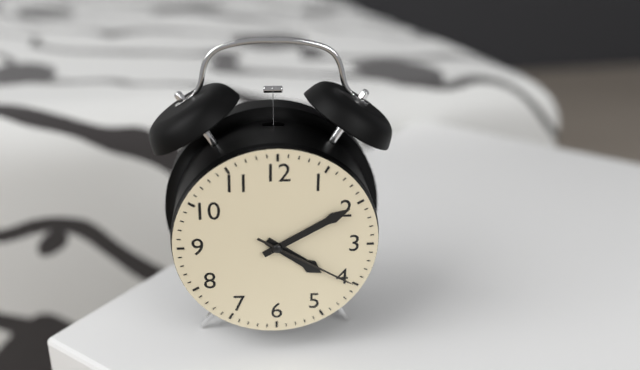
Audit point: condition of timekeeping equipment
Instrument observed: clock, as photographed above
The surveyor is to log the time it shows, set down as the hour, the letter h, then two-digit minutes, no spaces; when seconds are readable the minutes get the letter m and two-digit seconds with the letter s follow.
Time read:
4h10m20s
